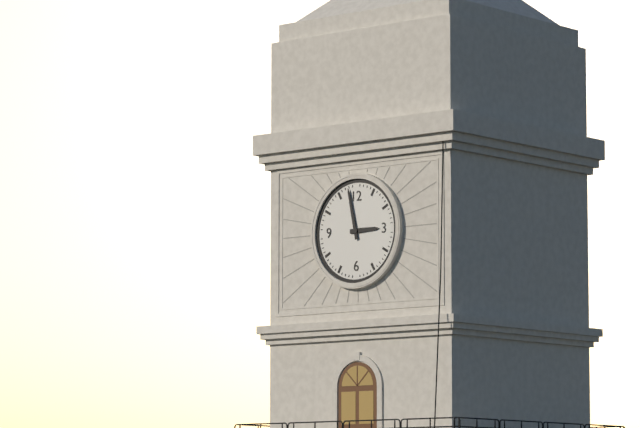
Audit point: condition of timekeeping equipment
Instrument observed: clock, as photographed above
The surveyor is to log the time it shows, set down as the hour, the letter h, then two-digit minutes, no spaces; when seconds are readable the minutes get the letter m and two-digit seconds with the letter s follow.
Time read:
2h58
